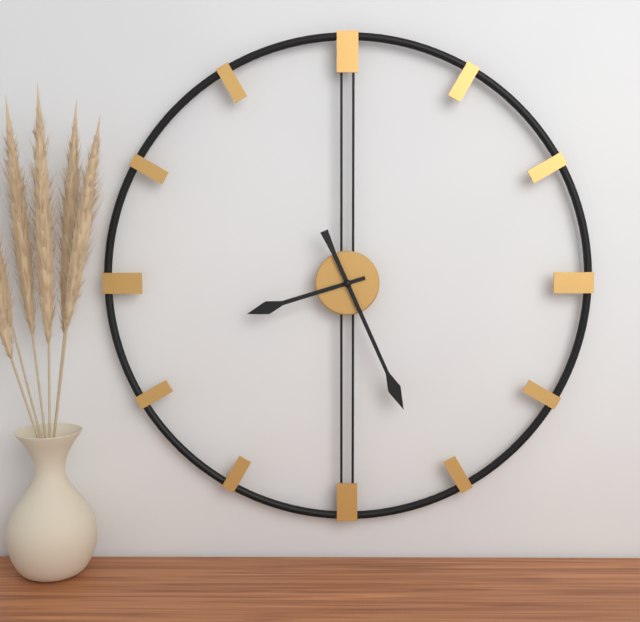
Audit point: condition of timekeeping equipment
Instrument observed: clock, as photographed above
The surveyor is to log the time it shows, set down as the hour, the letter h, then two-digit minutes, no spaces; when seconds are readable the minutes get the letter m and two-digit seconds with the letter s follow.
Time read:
8h26
